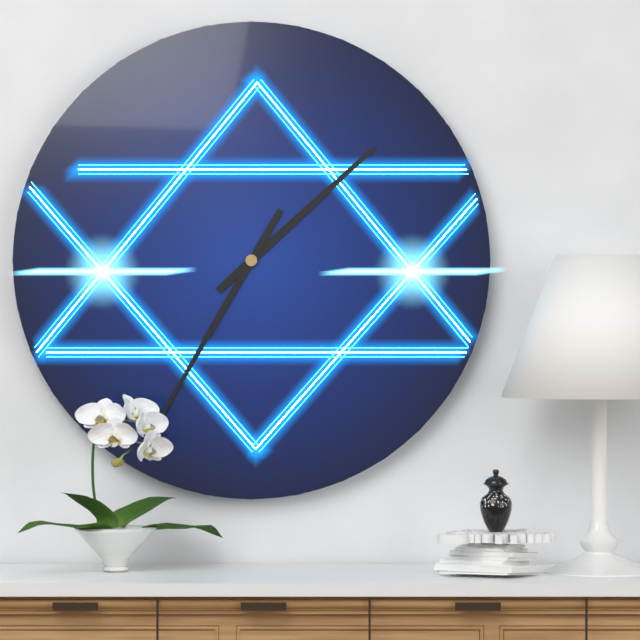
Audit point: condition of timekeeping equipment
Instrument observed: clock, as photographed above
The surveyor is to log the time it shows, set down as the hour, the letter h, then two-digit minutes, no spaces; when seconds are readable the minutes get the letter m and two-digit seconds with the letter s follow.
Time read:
1h35
